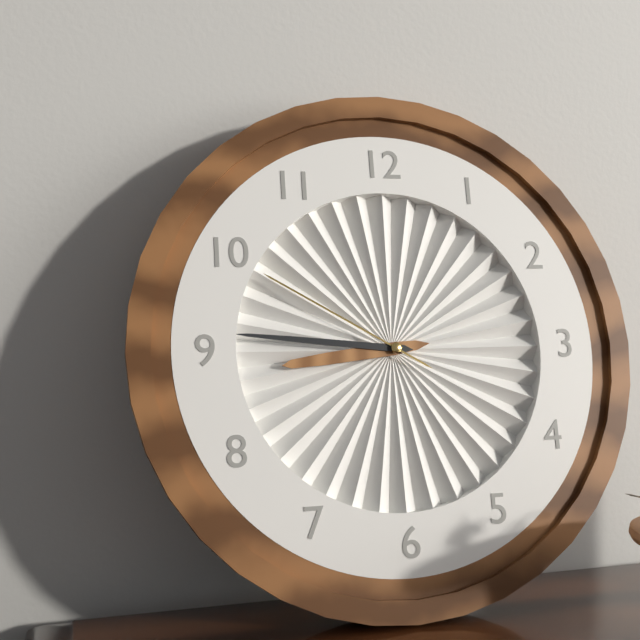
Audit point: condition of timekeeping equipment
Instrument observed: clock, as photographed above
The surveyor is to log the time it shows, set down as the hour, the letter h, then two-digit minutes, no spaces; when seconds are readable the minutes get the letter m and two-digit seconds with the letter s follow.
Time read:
8h46m50s
